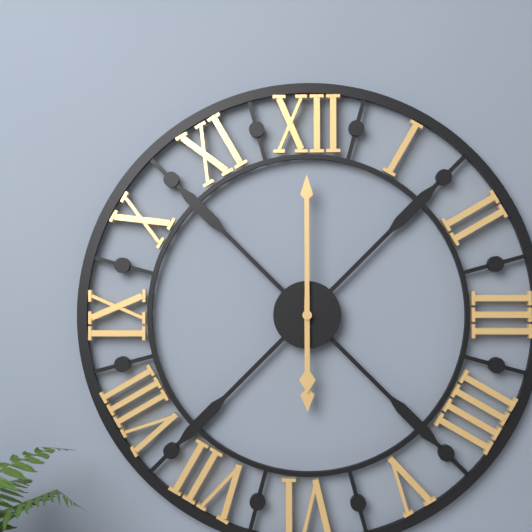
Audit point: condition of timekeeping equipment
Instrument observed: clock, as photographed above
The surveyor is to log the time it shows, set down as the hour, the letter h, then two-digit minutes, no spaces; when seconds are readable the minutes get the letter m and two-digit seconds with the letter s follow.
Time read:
6h00
